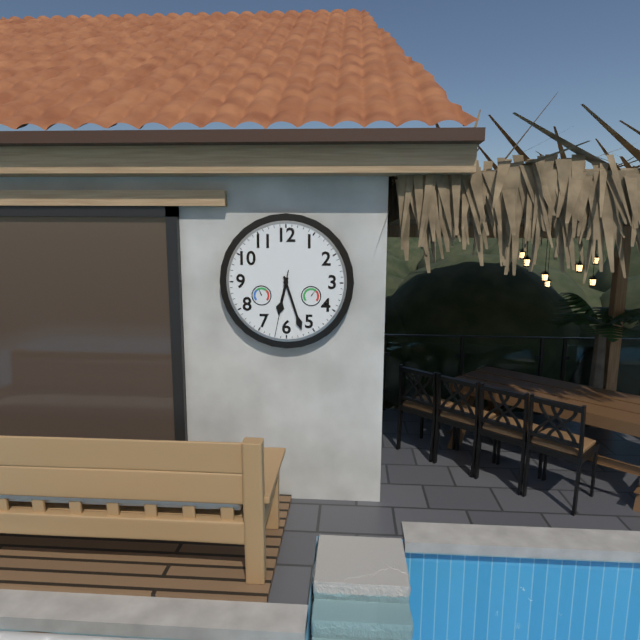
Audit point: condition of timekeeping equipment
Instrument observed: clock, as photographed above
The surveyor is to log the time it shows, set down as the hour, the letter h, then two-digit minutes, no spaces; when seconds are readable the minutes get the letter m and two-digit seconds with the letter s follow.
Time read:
6h27m32s
